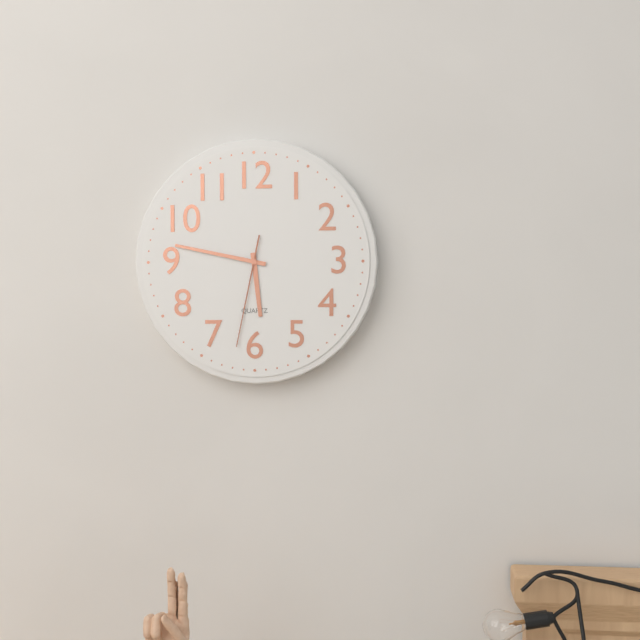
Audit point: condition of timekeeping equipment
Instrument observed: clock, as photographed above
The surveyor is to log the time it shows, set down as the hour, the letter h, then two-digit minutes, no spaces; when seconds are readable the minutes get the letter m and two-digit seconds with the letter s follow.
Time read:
5h47m32s
